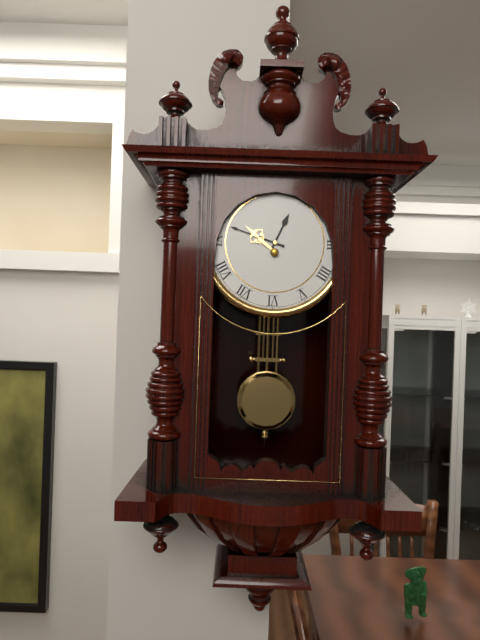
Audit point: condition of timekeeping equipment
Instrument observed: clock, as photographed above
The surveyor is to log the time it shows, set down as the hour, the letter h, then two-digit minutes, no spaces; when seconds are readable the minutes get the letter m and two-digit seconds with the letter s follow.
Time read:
12h48
